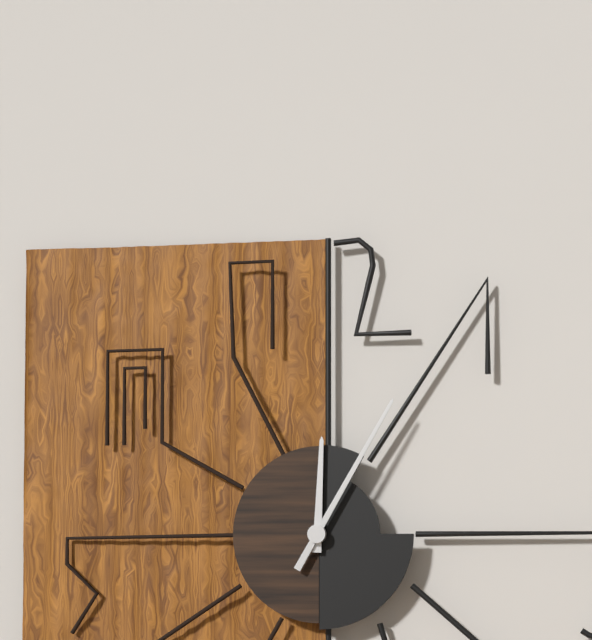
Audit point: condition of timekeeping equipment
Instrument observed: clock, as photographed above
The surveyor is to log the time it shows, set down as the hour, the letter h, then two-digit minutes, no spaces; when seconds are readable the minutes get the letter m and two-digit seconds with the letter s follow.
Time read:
12h05
